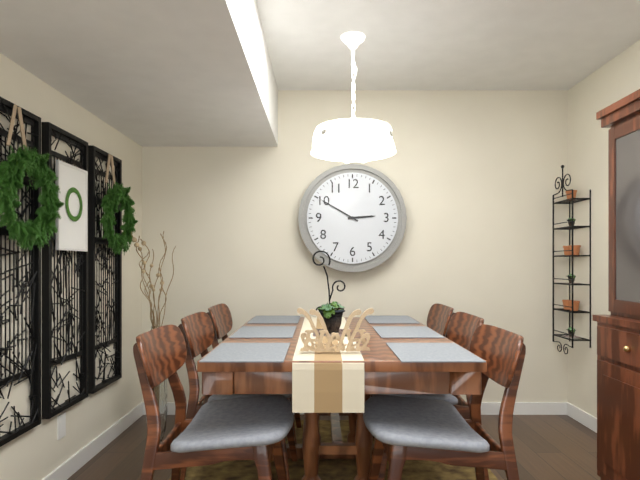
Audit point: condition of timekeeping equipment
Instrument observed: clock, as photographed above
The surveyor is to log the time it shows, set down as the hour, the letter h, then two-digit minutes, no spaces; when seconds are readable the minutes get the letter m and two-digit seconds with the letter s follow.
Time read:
2h50
